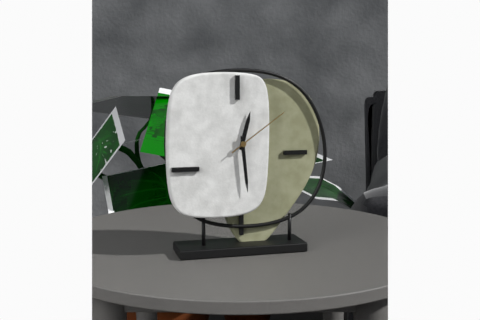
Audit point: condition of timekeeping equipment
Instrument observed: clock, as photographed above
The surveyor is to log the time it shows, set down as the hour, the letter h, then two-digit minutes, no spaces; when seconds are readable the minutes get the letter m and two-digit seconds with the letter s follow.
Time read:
12h29m09s
